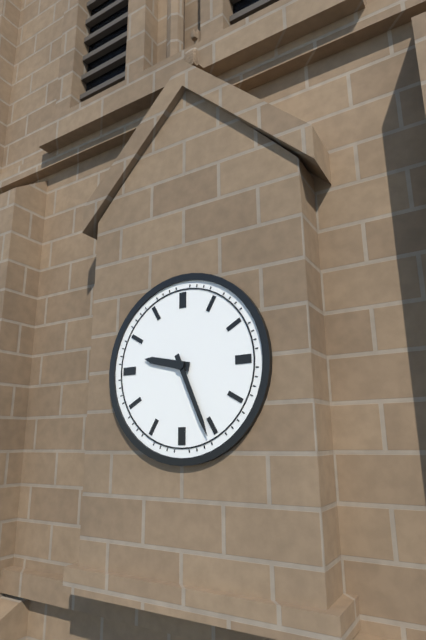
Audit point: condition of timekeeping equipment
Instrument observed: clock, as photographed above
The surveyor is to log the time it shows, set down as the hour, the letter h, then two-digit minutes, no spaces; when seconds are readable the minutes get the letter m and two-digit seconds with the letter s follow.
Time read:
9h26
